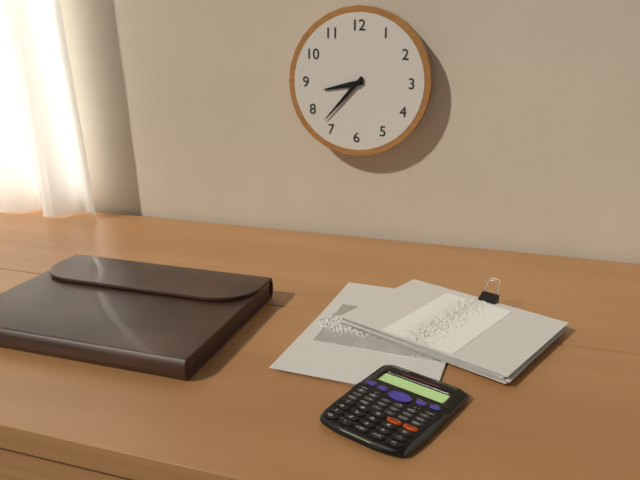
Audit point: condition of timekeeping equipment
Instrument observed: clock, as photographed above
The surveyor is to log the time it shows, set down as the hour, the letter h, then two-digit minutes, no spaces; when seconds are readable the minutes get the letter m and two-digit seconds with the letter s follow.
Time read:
8h37
